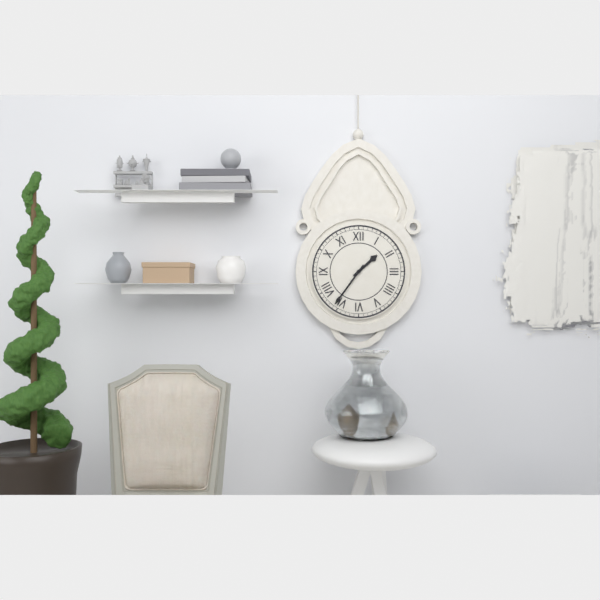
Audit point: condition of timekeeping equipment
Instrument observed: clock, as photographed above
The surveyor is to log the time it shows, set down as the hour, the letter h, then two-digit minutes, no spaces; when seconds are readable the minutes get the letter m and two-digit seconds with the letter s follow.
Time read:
1h36
